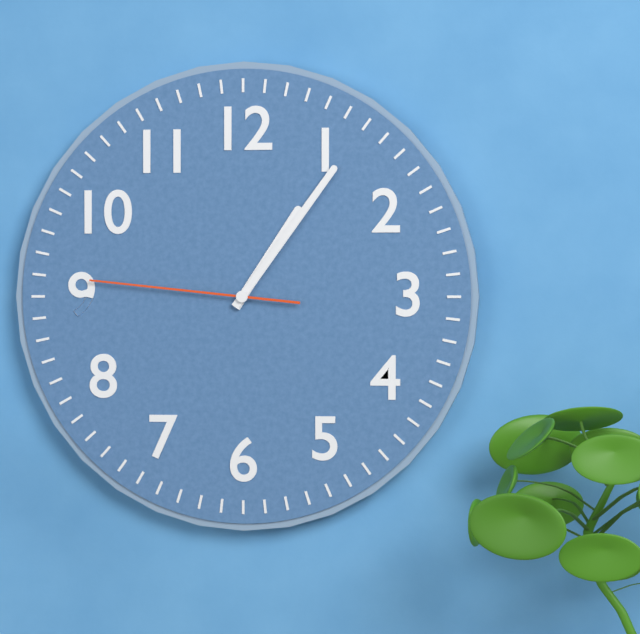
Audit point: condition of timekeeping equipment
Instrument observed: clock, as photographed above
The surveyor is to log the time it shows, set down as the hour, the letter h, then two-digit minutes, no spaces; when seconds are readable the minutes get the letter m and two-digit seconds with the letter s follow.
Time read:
1h06m46s
